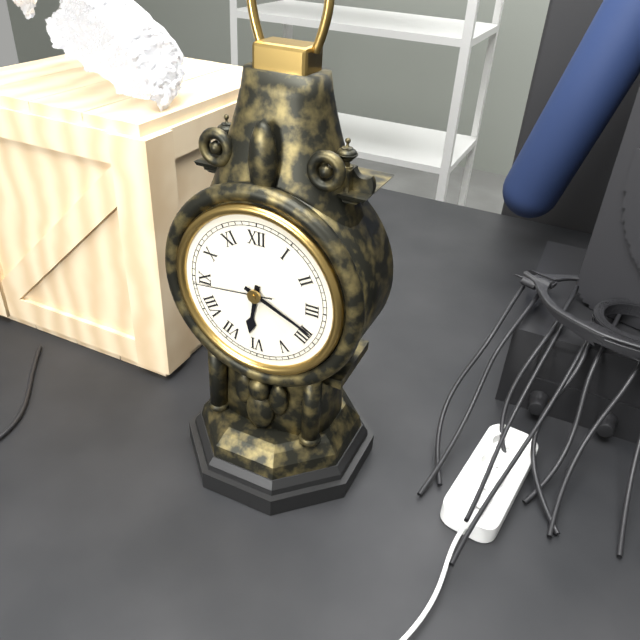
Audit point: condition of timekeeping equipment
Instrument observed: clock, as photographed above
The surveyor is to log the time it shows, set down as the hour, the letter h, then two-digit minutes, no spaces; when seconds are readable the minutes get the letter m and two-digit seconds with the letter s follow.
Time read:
6h19m44s
